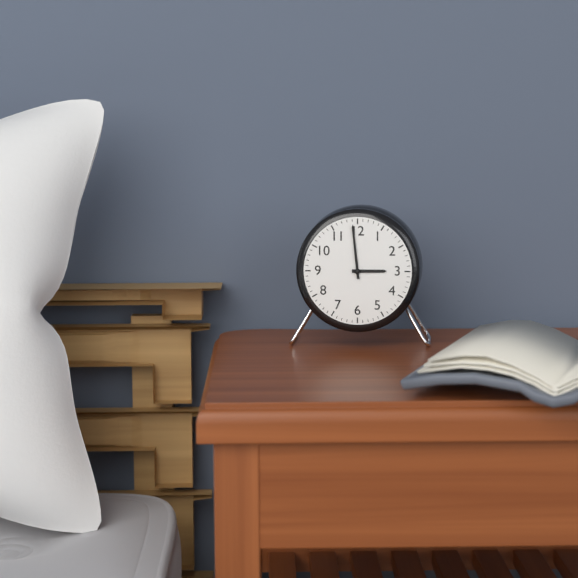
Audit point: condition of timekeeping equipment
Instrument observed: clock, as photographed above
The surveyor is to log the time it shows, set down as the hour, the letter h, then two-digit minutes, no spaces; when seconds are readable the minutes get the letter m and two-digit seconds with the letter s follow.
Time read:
2h59
